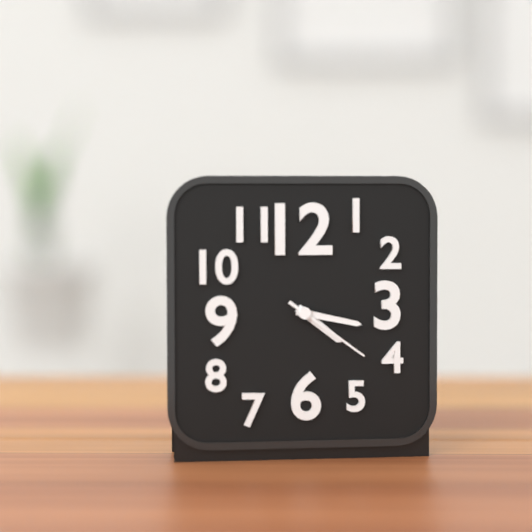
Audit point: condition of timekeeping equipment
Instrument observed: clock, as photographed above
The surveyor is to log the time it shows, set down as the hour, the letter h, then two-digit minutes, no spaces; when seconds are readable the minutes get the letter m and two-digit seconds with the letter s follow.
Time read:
4h17m21s
